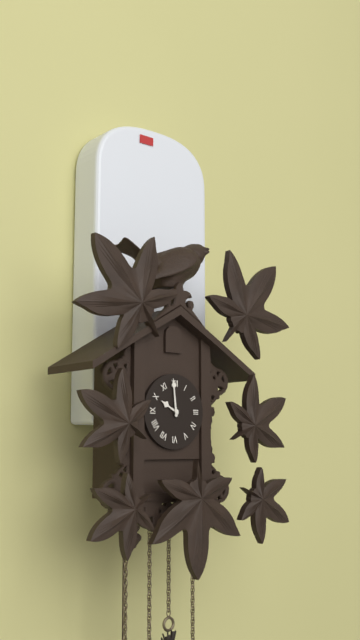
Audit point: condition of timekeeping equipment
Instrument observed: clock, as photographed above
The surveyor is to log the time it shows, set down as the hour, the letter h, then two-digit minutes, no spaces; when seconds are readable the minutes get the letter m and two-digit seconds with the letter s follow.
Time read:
9h59
